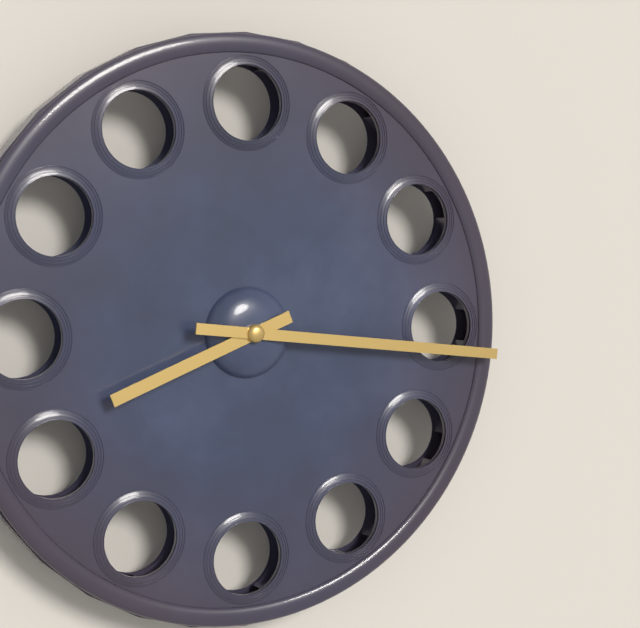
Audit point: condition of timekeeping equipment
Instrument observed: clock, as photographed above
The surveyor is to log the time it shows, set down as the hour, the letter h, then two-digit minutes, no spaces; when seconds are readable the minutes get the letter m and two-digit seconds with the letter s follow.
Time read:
8h16
